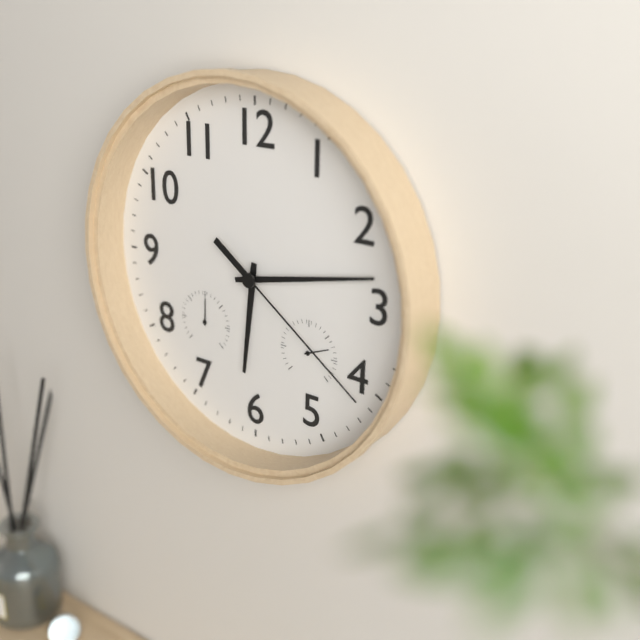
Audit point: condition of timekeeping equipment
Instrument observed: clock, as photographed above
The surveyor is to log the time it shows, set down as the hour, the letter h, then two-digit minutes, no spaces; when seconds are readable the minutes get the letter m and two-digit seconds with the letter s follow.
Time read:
6h13m21s
